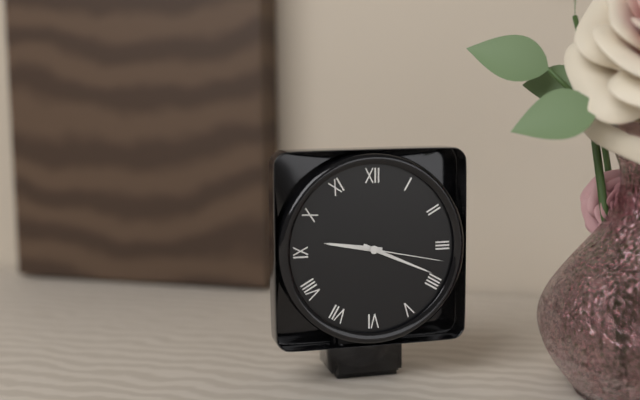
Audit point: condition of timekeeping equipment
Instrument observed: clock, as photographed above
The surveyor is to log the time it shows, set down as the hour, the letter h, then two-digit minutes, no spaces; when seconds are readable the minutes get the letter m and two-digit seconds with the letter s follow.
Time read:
9h19m17s
